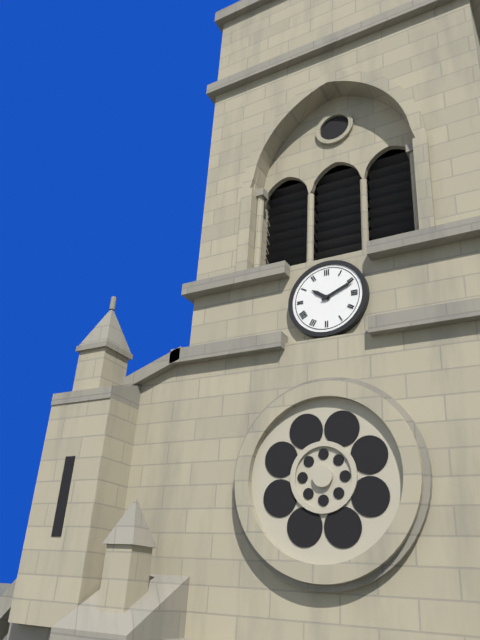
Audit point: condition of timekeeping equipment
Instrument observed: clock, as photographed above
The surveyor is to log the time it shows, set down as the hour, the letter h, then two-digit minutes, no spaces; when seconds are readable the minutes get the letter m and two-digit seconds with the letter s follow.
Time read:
10h11
